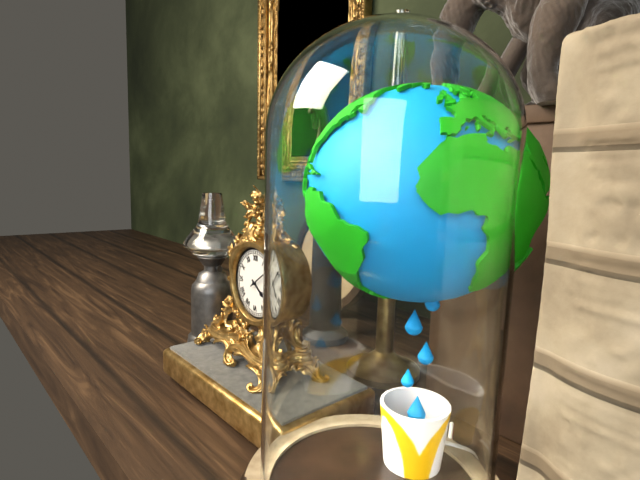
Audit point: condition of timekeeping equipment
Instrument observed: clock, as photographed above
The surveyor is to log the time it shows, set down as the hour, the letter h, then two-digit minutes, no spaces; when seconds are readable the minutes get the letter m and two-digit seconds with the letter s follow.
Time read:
4h09
